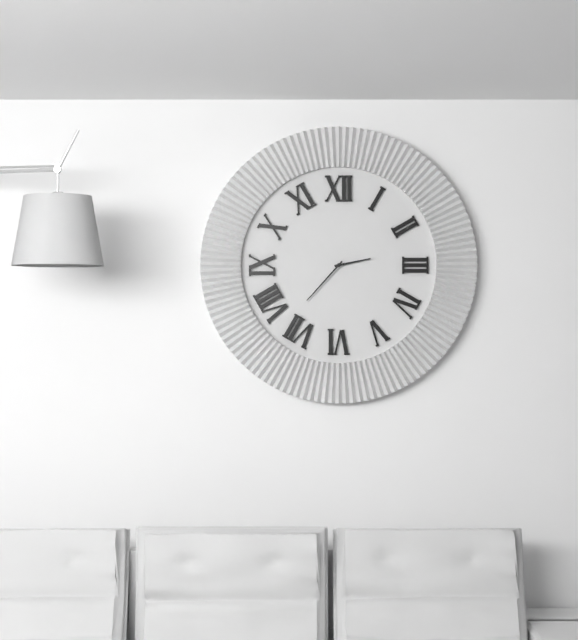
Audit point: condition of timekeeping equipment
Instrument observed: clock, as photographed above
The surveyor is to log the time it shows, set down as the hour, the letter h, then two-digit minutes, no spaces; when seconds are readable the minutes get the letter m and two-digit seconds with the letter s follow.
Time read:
2h37
